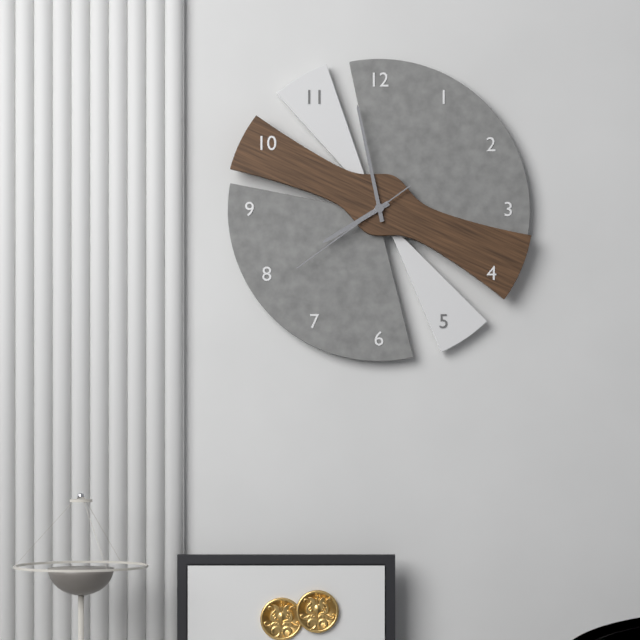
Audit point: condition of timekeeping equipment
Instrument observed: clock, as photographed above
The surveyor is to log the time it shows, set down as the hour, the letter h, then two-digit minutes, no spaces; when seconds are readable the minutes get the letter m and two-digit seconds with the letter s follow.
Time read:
7h58m39s
